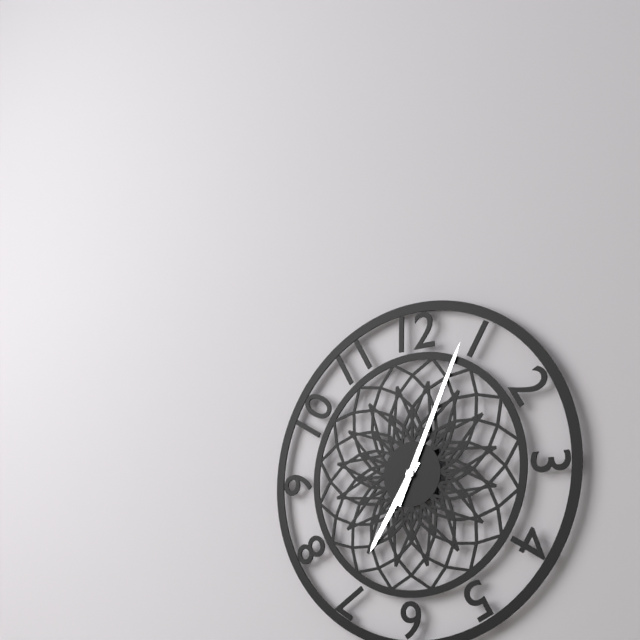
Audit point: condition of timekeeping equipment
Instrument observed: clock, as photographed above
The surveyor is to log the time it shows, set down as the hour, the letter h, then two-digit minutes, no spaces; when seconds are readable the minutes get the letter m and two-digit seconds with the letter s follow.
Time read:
7h04
